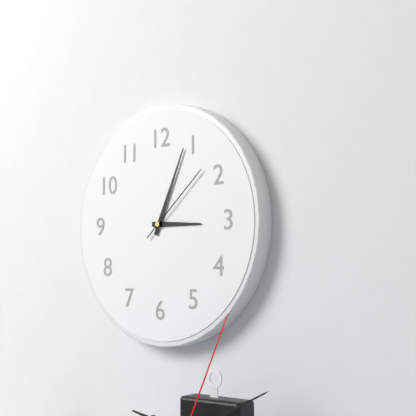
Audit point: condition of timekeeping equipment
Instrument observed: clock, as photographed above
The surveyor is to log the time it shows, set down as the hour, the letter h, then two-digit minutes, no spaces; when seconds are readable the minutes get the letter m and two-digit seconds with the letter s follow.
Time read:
3h04m08s
